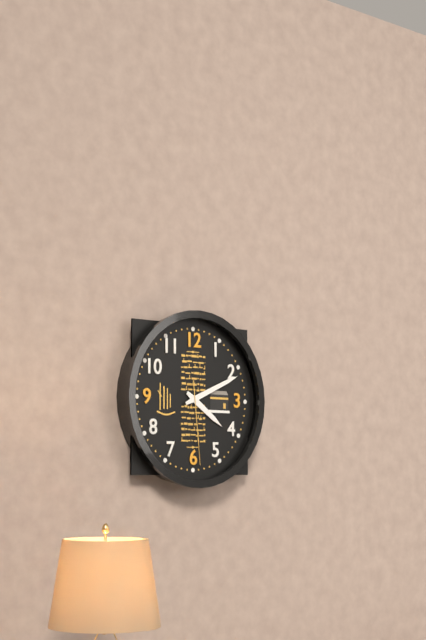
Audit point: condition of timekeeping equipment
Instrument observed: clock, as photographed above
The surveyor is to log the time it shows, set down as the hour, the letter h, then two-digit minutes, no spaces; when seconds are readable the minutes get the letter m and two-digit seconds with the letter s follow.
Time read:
4h11m29s
